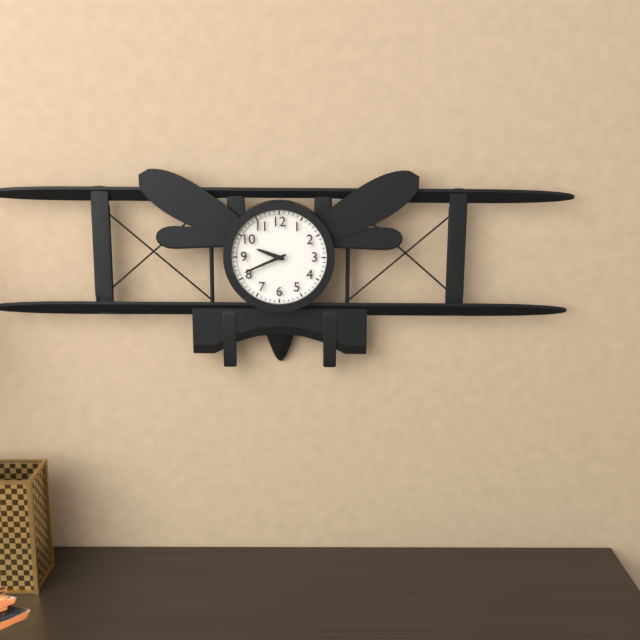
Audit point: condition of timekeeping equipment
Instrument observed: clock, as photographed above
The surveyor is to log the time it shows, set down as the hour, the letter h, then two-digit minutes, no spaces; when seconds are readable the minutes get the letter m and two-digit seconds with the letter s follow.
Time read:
9h41
